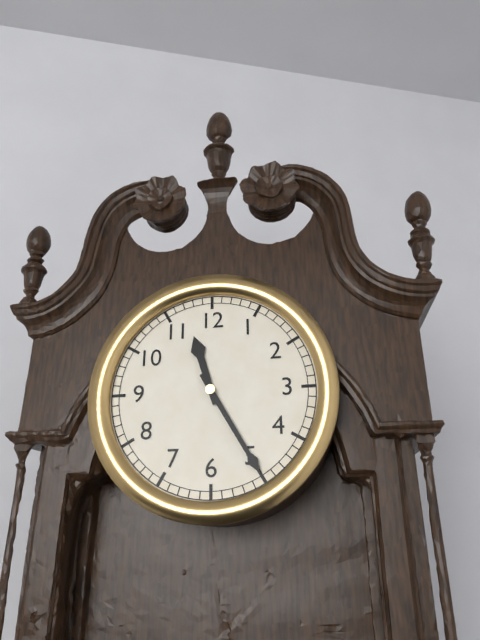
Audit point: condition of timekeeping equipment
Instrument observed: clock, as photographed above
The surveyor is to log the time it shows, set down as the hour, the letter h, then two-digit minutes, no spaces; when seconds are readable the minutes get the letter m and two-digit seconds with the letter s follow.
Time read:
11h25
